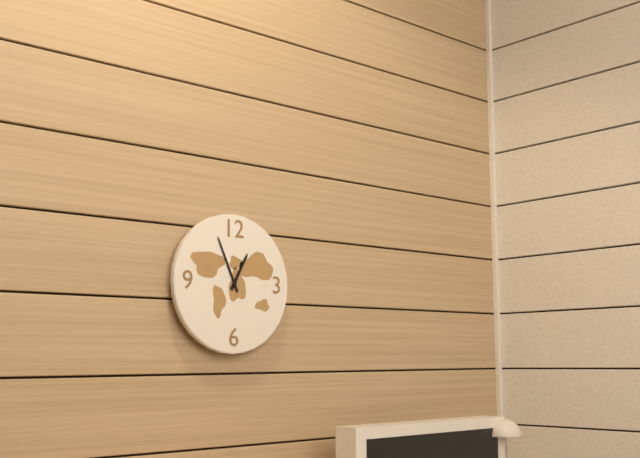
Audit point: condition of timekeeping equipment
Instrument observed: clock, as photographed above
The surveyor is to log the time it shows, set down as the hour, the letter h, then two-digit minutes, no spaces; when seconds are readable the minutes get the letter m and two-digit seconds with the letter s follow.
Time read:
12h56
